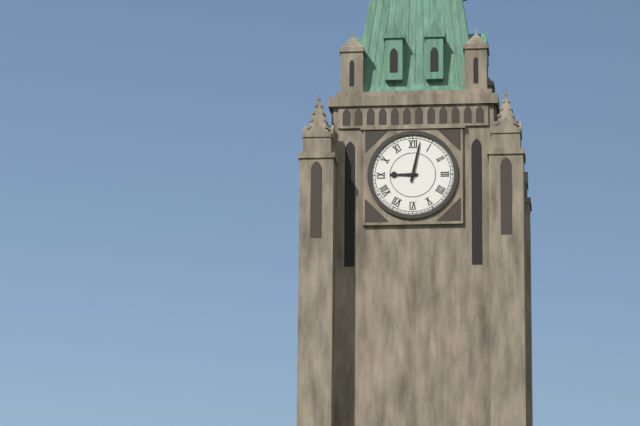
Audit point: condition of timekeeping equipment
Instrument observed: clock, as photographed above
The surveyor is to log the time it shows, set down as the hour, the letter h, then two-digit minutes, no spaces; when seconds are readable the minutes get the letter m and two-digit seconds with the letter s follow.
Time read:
9h02
